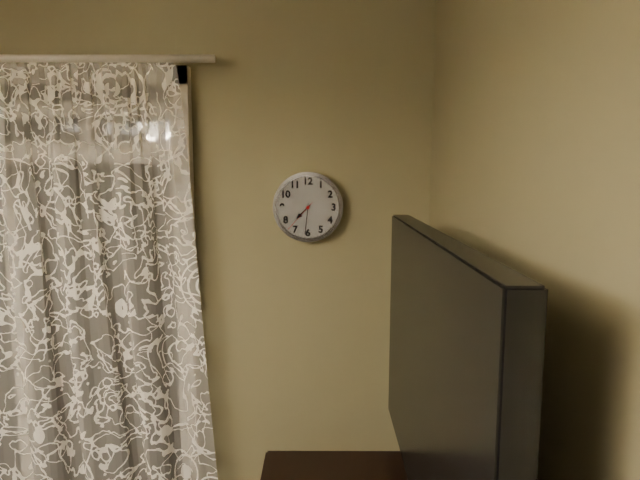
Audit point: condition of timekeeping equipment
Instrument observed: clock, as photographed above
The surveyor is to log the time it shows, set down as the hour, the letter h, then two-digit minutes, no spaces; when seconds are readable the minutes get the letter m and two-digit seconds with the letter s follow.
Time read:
7h31
